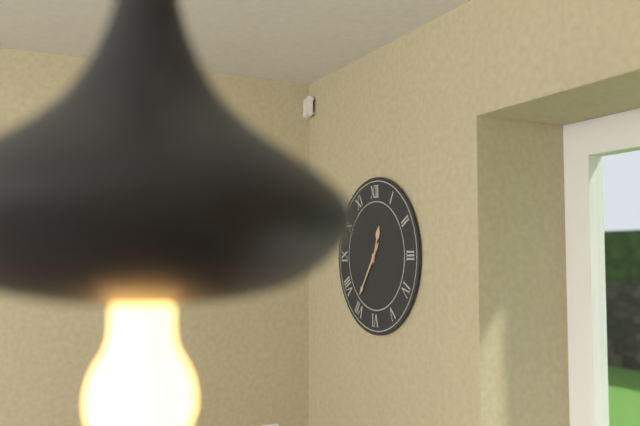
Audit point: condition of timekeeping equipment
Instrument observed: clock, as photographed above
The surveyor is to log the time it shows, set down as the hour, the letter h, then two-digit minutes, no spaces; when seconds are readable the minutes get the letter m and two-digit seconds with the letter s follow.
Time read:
12h36
